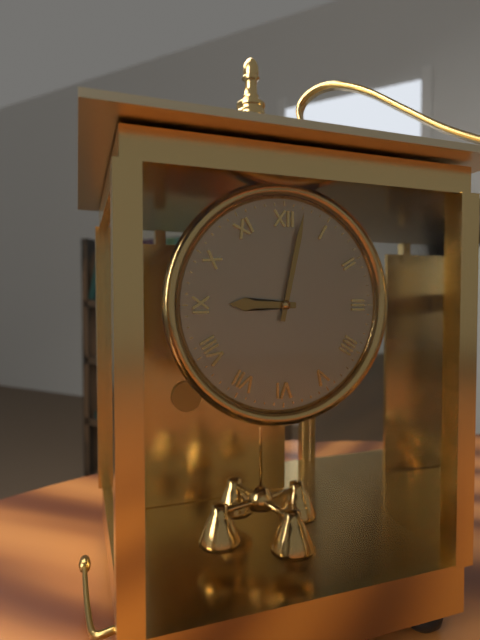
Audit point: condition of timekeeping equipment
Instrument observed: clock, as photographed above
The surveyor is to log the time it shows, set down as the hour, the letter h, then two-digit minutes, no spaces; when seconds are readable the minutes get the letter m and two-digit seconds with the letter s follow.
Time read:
9h02
